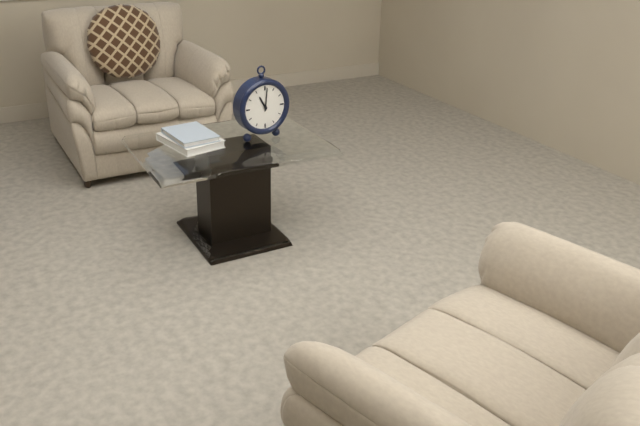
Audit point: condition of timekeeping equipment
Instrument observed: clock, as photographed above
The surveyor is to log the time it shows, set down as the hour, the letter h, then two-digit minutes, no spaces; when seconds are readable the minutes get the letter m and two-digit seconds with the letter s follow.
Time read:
11h01
